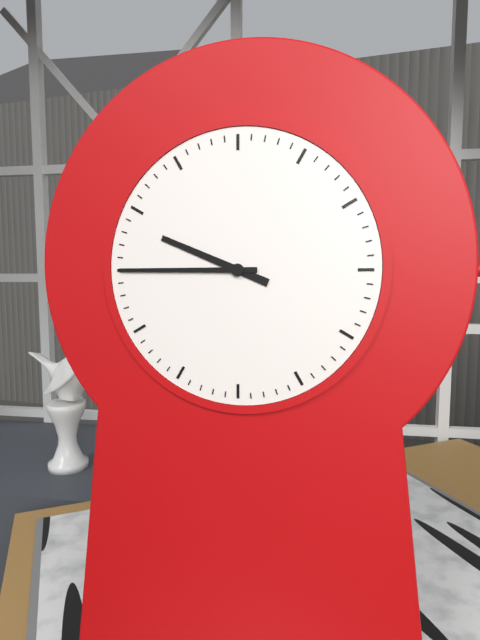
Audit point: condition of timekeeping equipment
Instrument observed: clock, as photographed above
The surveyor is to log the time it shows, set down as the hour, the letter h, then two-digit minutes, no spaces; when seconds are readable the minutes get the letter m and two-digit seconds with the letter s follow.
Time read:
9h45
